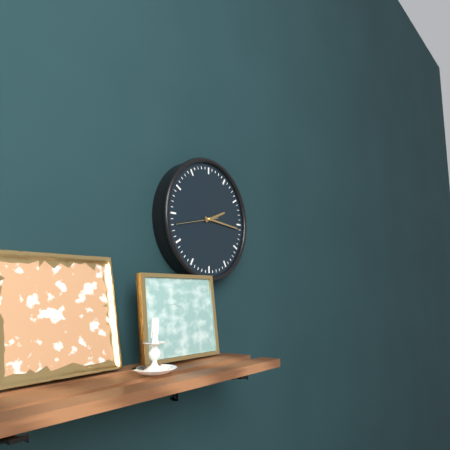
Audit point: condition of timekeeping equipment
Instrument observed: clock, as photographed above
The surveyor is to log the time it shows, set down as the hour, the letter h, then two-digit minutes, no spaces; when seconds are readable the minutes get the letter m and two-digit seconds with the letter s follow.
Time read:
2h16
